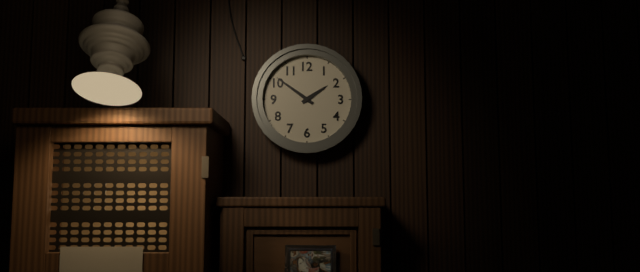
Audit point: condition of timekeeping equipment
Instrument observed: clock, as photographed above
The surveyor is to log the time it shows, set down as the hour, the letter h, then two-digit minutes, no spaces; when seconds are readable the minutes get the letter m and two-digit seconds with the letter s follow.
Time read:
1h51
